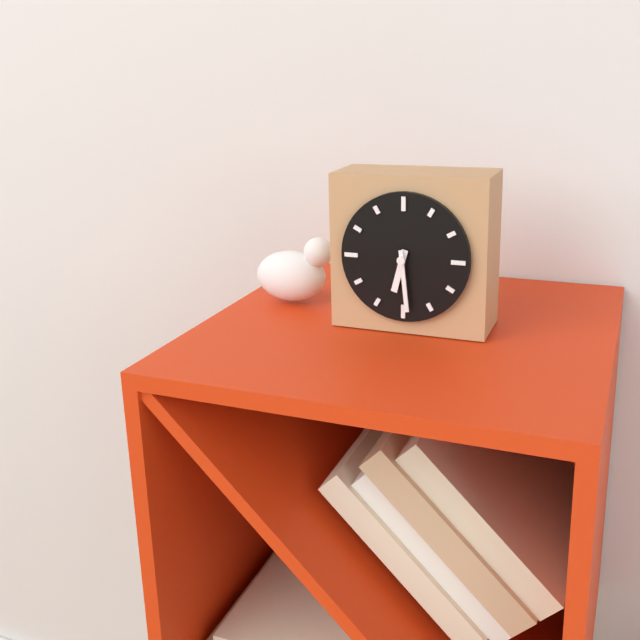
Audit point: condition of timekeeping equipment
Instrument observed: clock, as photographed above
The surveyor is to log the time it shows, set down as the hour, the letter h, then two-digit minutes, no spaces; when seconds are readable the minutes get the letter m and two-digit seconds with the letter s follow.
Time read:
6h29
